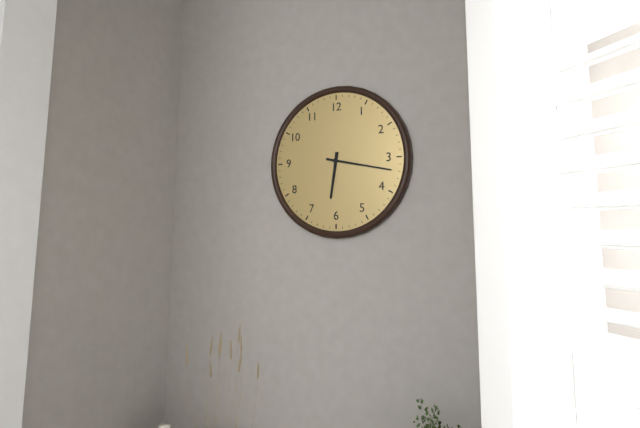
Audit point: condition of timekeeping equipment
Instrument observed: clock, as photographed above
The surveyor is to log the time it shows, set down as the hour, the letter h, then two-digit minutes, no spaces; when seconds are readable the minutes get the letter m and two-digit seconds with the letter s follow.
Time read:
6h17
